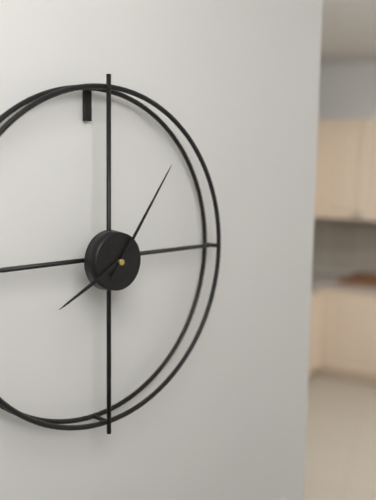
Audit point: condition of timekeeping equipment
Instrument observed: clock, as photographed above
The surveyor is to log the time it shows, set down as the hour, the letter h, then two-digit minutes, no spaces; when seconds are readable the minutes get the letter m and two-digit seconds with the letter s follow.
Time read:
8h06
